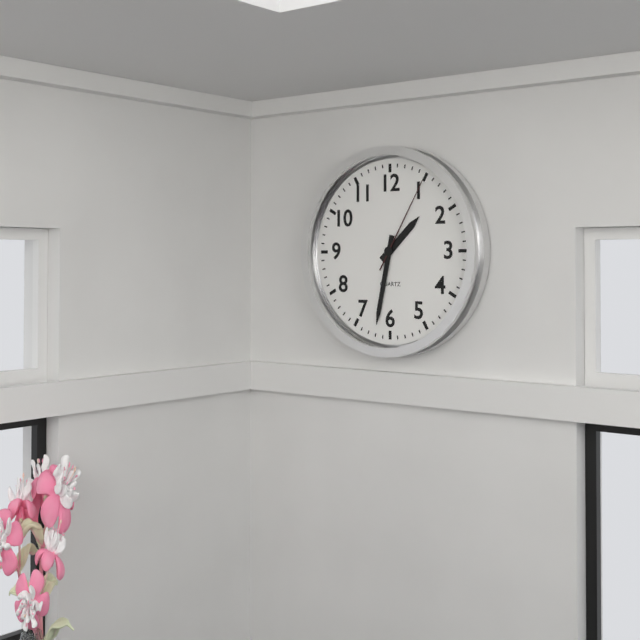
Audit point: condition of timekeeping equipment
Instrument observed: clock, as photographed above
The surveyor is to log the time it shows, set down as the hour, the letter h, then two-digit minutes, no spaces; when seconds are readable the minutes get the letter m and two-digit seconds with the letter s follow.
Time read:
1h32m05s
